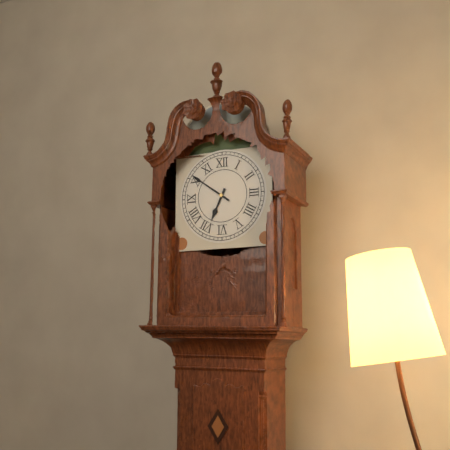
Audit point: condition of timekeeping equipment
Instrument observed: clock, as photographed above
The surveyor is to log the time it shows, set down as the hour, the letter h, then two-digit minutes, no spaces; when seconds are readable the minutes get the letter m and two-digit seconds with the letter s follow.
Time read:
6h51
